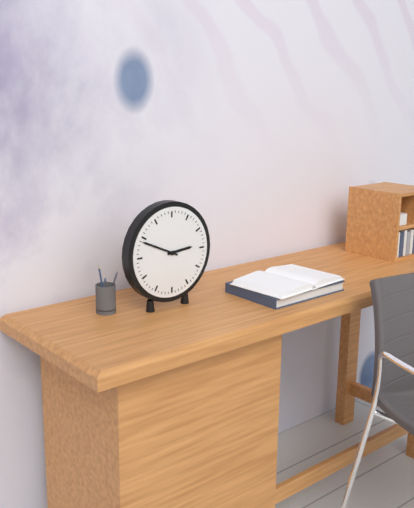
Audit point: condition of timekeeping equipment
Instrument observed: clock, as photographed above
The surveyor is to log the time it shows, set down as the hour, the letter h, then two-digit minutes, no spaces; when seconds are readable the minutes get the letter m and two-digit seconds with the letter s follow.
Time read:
2h49
